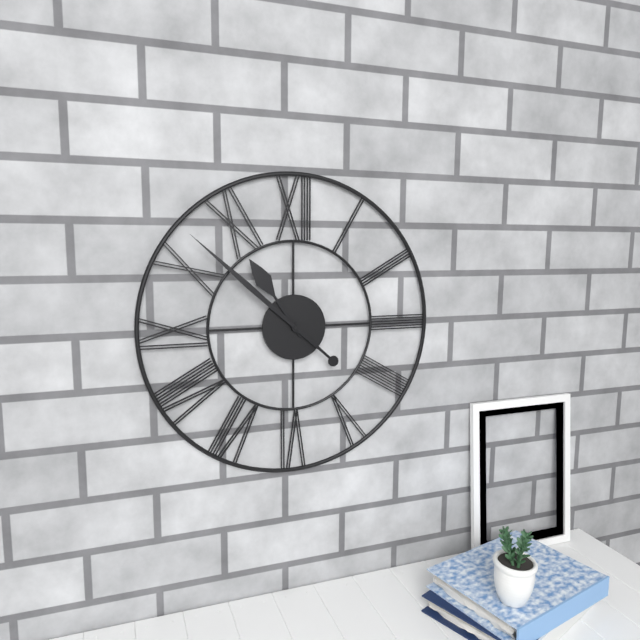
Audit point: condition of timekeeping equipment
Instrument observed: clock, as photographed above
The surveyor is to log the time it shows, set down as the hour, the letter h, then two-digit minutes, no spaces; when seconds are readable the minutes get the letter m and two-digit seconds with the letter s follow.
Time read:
10h52
